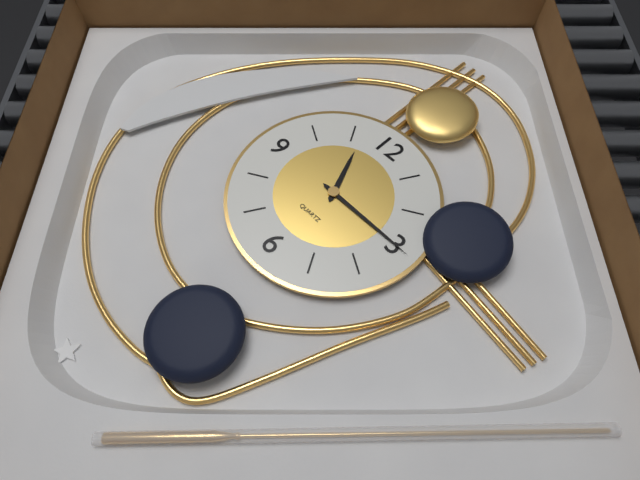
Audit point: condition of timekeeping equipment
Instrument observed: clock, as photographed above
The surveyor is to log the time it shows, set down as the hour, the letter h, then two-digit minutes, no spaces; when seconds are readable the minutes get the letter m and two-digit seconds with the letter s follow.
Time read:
11h15
